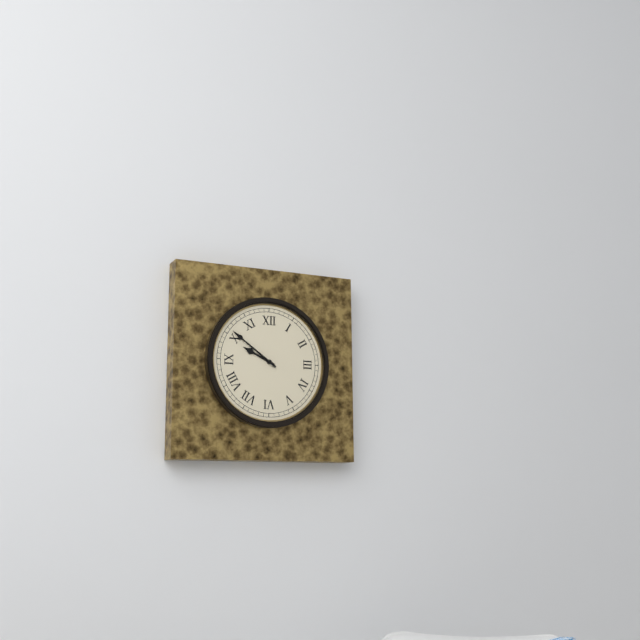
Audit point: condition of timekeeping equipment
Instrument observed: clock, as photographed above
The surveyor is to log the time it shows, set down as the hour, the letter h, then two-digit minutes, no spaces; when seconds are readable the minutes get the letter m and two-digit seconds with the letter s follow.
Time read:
9h51
